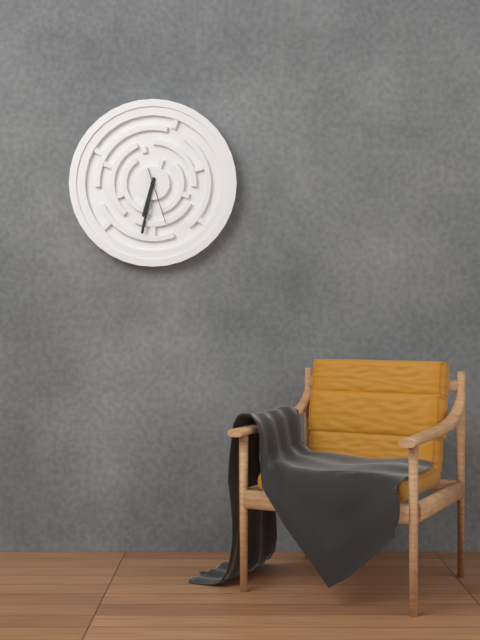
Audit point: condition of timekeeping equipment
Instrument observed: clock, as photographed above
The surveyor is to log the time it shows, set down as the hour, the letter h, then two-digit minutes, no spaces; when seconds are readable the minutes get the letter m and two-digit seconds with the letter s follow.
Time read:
6h32m27s
